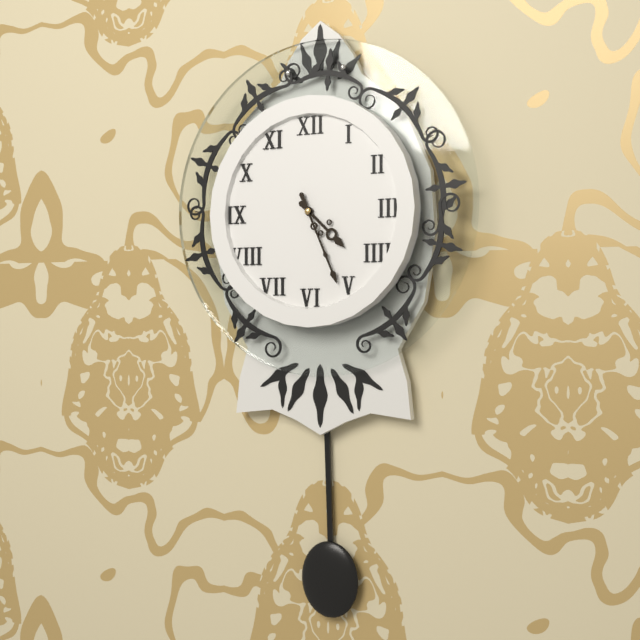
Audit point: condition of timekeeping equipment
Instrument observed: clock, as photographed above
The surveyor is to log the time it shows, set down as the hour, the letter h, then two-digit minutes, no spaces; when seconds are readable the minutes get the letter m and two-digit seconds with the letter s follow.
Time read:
4h26
